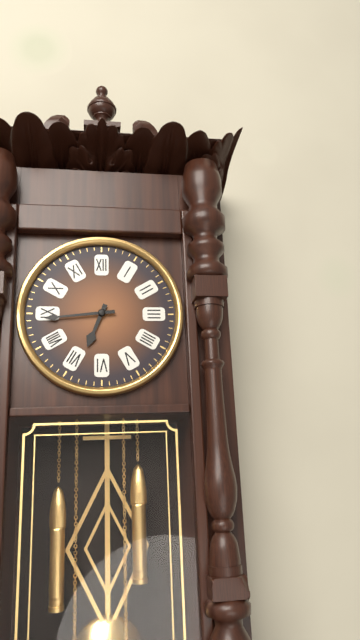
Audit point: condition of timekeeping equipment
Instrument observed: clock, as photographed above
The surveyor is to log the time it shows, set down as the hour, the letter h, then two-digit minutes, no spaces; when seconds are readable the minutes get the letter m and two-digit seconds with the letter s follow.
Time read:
6h44
